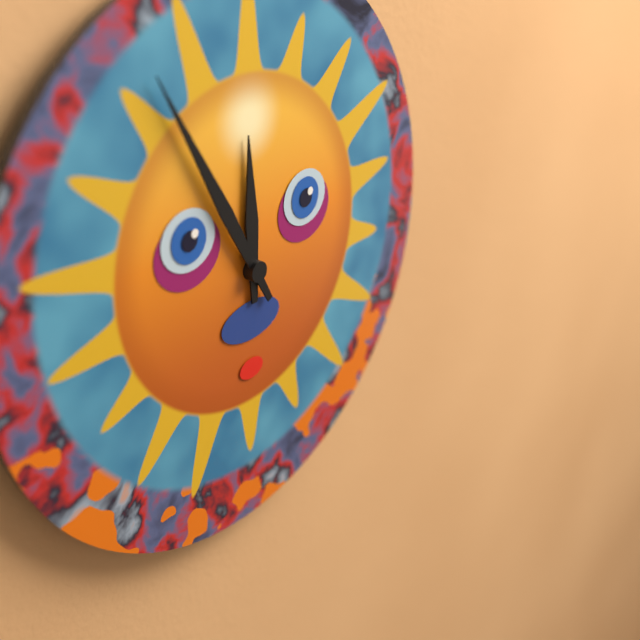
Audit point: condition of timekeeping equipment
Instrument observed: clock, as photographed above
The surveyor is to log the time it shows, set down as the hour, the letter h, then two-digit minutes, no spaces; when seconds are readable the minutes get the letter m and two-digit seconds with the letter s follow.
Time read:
11h55
